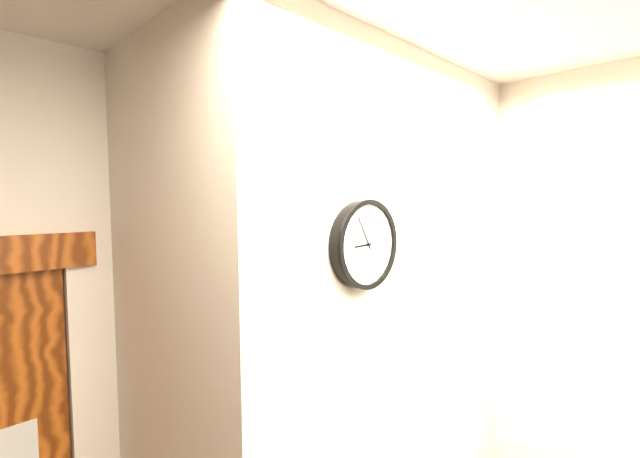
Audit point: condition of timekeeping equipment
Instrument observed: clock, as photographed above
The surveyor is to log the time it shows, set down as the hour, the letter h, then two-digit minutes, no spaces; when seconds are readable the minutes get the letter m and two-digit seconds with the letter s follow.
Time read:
8h55
